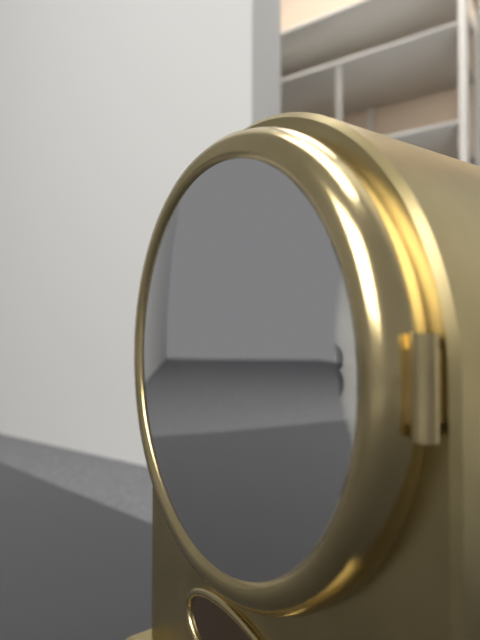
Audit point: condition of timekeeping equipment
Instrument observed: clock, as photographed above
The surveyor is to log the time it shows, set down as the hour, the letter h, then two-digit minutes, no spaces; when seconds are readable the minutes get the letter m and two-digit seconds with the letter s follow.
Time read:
3h01
